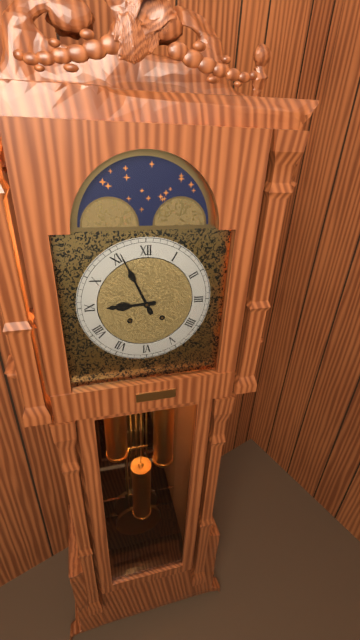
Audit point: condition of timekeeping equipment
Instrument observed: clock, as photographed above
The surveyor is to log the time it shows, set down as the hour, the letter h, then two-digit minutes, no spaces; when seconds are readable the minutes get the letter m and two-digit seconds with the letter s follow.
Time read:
8h56
